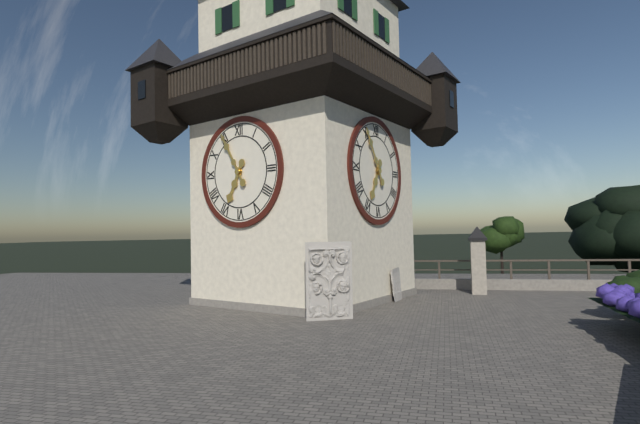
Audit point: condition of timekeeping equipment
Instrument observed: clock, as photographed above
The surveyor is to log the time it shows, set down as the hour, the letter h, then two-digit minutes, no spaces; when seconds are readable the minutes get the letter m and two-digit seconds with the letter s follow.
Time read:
6h55
